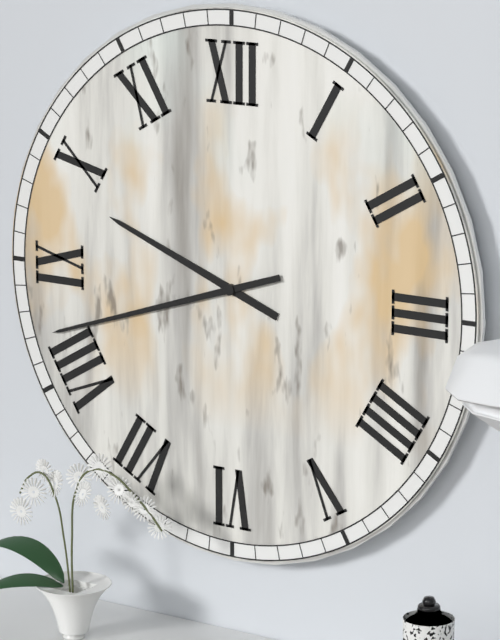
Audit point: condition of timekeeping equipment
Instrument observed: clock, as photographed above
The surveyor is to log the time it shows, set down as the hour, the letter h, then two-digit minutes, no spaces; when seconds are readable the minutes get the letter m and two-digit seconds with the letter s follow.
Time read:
9h42
